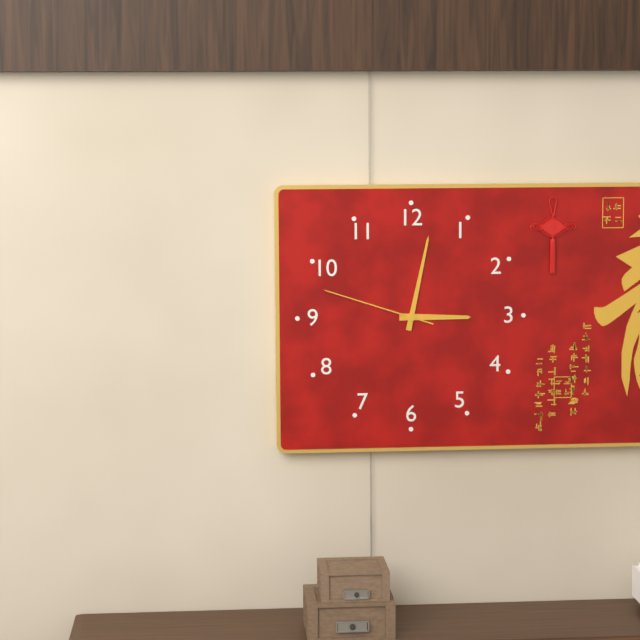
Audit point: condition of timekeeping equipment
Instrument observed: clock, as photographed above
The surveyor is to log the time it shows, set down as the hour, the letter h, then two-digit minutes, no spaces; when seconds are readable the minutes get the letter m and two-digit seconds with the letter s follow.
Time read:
3h02m48s
